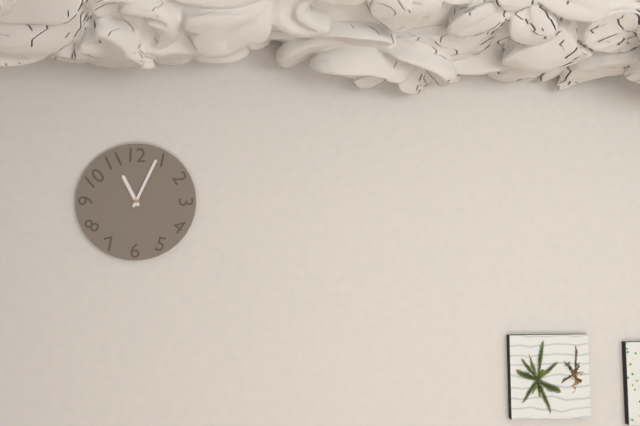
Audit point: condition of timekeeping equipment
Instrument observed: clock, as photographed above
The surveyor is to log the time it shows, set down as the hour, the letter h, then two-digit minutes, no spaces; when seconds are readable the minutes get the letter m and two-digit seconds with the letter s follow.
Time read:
11h04
